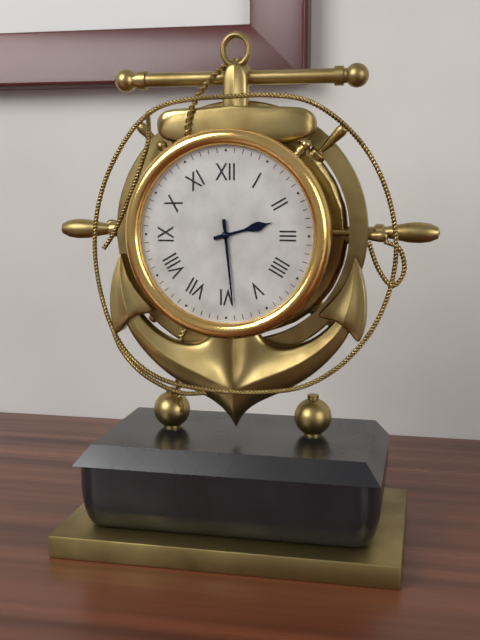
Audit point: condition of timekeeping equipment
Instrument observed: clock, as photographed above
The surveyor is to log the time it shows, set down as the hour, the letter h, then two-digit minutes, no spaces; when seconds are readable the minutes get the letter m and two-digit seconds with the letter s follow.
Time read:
2h29
